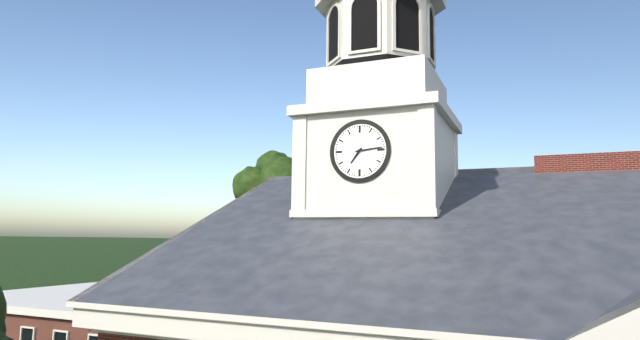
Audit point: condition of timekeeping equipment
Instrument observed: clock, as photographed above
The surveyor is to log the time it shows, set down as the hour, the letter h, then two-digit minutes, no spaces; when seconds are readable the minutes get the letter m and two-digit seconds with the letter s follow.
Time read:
7h14
